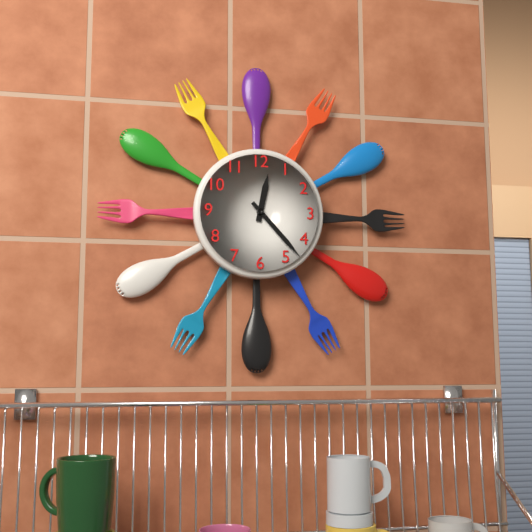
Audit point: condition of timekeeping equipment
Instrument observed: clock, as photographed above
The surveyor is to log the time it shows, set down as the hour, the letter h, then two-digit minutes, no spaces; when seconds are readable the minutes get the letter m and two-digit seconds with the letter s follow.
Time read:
12h23
